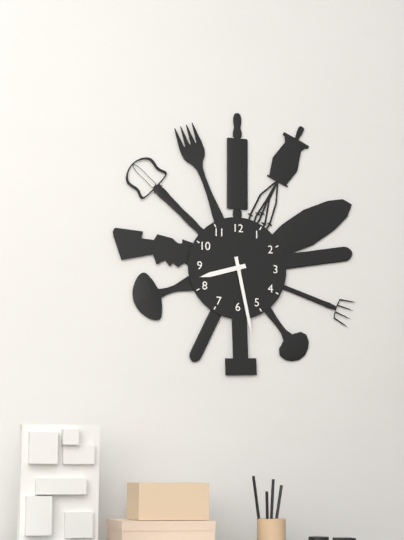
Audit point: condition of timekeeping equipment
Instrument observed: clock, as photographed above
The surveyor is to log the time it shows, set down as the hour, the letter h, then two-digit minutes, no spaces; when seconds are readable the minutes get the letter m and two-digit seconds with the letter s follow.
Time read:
8h28
